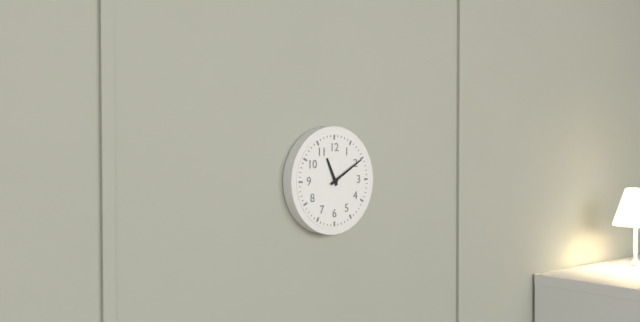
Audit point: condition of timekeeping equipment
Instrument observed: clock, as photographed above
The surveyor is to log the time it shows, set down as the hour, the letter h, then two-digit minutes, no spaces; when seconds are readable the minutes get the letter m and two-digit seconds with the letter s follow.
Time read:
11h10
